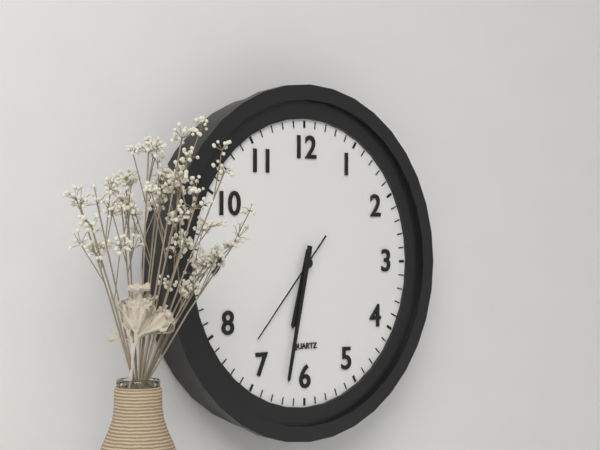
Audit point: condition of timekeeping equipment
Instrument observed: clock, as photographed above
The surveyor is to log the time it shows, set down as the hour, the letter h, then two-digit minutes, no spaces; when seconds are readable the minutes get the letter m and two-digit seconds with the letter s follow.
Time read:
6h32m37s
